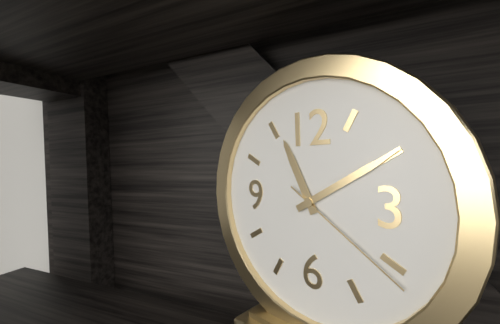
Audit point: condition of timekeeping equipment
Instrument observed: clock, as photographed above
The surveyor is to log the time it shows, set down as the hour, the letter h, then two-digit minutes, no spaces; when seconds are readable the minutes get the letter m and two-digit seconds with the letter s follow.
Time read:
11h10m21s
